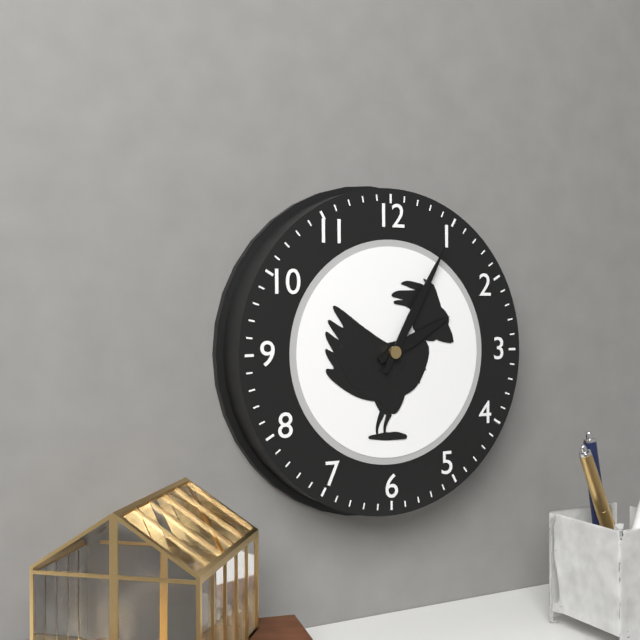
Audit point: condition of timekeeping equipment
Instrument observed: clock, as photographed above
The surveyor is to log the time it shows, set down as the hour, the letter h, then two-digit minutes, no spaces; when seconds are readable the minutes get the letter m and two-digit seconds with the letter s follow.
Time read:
2h05
